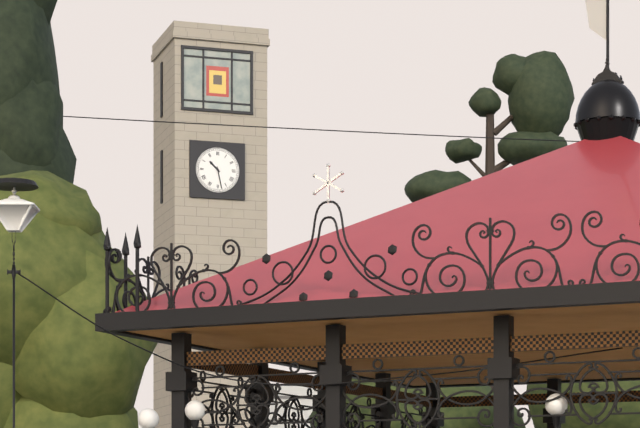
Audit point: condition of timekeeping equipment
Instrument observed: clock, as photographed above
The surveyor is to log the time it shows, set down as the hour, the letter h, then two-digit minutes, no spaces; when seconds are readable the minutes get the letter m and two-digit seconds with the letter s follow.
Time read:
10h28
